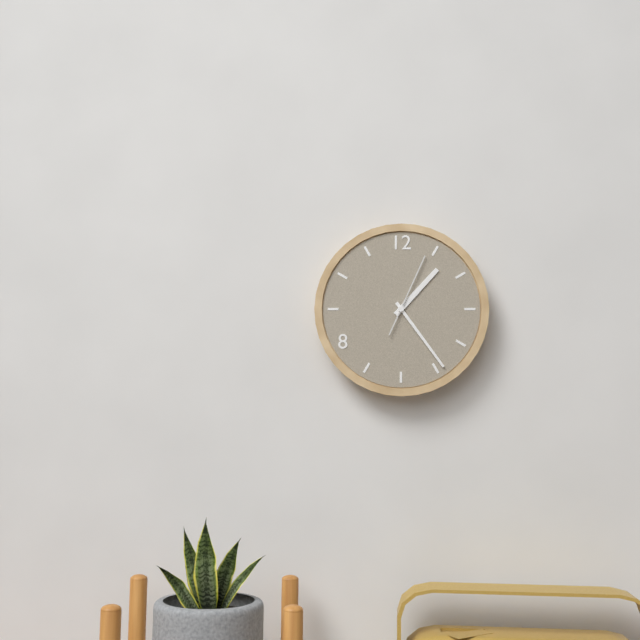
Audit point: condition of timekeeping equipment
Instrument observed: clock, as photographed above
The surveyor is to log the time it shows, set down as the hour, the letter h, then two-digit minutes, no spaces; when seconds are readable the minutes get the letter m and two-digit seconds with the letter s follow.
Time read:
1h24m04s
